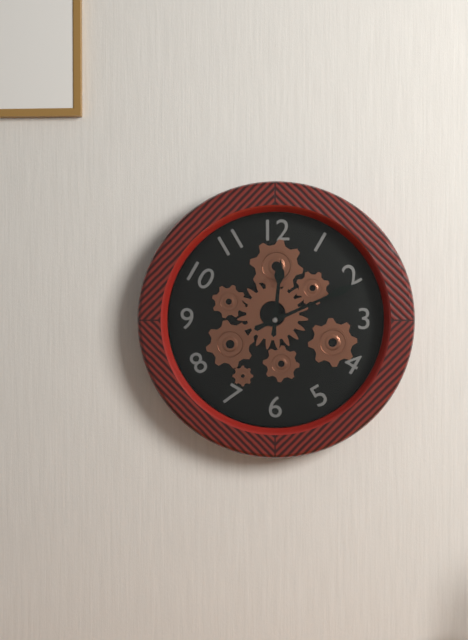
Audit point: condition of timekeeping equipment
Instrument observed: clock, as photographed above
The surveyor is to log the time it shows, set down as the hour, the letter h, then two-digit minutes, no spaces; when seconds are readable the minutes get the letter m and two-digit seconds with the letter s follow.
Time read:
12h11
